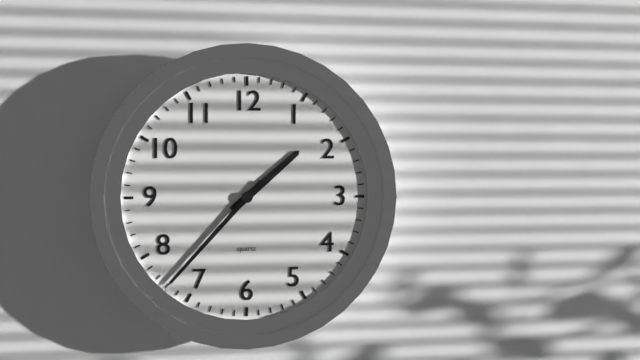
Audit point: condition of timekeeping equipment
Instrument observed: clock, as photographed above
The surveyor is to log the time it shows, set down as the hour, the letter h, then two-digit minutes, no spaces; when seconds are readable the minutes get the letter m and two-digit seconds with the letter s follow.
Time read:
1h37
